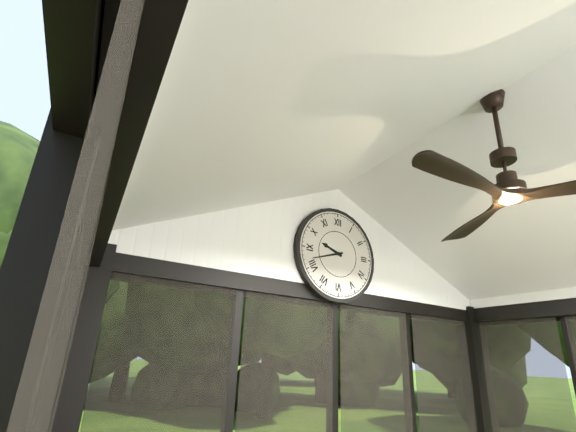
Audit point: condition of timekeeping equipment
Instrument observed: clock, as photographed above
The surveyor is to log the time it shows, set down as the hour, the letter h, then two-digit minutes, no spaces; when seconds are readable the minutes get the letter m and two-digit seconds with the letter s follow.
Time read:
9h42
